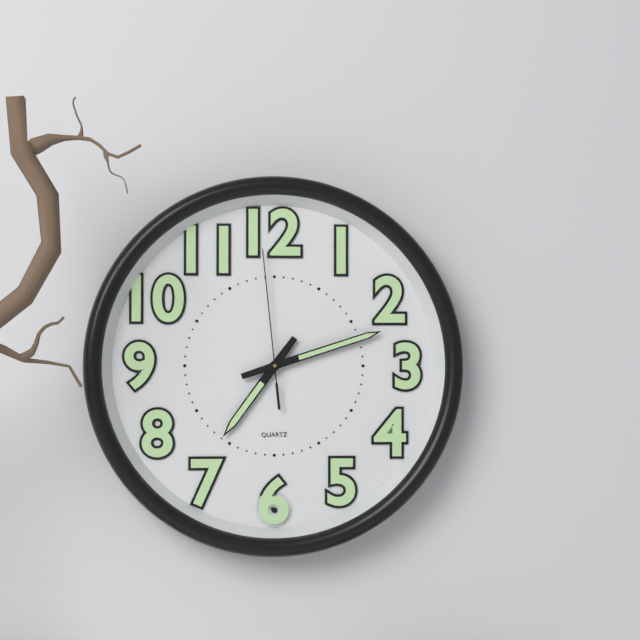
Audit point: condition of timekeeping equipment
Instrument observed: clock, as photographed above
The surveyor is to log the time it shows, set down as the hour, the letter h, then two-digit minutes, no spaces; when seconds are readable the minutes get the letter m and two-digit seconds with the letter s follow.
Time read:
7h12m59s
